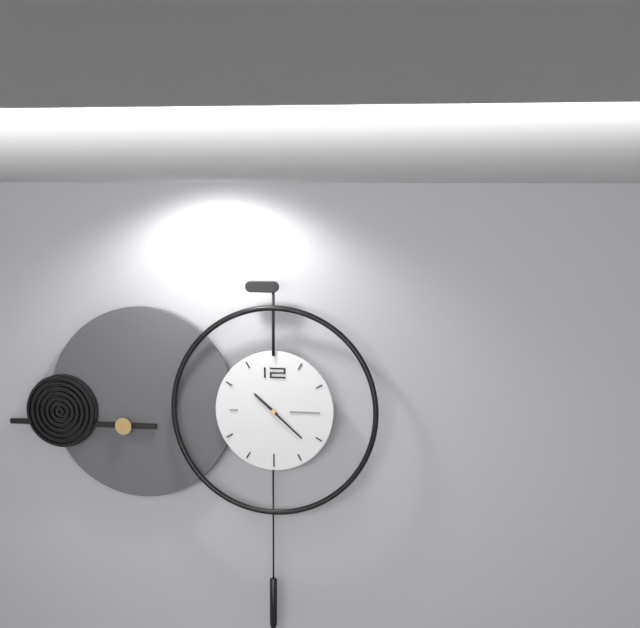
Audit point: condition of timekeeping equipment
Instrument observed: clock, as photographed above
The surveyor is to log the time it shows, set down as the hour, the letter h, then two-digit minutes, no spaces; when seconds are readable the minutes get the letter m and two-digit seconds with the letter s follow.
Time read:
10h22
